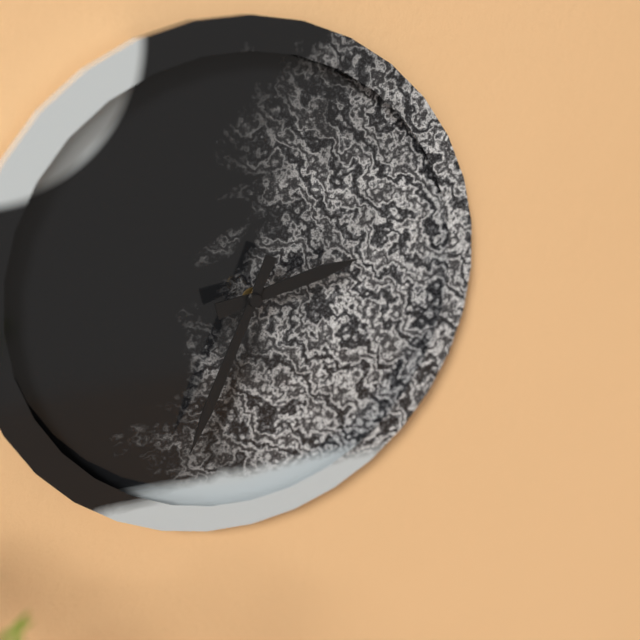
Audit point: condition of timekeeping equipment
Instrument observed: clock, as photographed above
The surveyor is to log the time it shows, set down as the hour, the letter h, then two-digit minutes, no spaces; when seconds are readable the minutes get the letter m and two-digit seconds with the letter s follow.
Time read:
2h34
